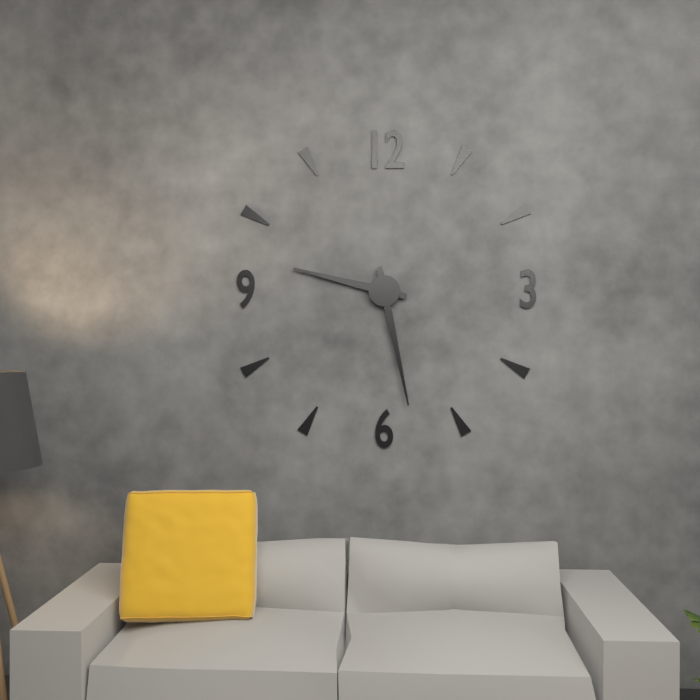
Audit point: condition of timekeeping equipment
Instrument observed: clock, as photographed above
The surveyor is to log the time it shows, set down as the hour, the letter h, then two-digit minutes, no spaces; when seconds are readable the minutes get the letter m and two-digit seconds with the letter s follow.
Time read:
9h28
